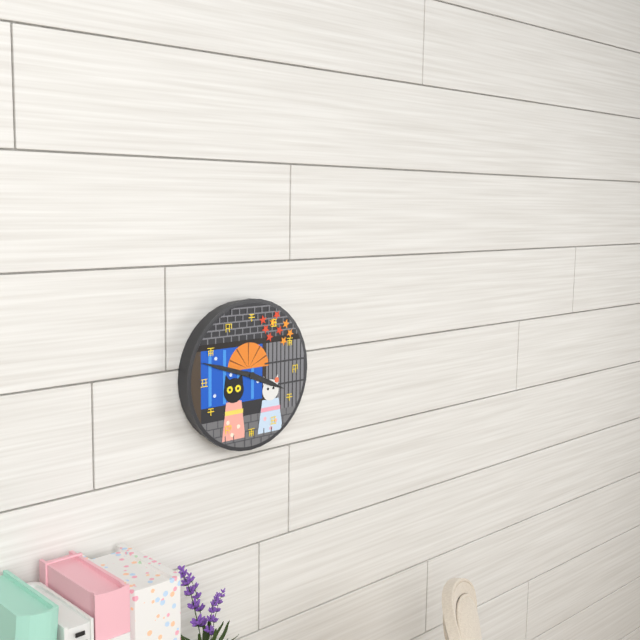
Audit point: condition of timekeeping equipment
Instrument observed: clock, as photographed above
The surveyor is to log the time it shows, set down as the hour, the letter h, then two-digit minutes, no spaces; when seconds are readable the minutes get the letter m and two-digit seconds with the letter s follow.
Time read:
3h48
